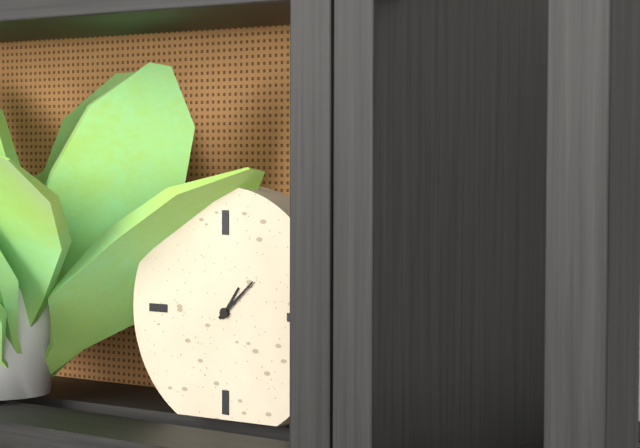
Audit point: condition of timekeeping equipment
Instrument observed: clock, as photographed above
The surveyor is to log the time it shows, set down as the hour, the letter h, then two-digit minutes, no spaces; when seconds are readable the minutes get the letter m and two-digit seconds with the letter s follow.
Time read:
1h08
